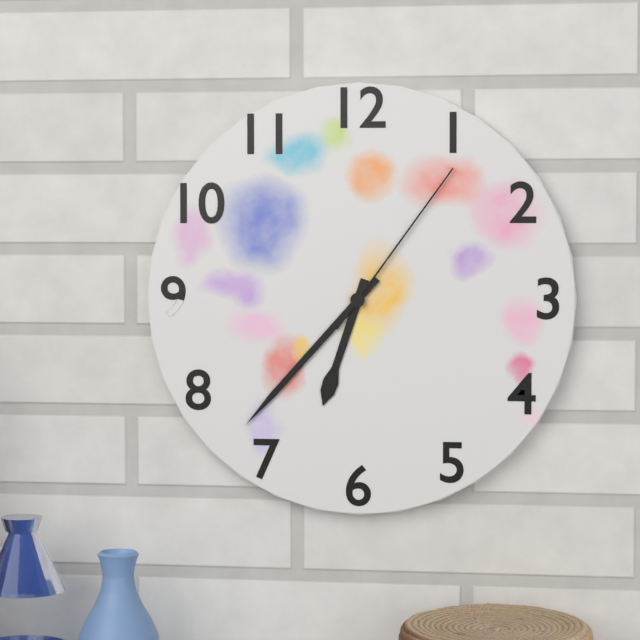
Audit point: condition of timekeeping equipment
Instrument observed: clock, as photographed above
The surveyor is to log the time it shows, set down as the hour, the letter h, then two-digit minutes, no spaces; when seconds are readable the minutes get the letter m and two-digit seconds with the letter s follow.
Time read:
6h37m06s
